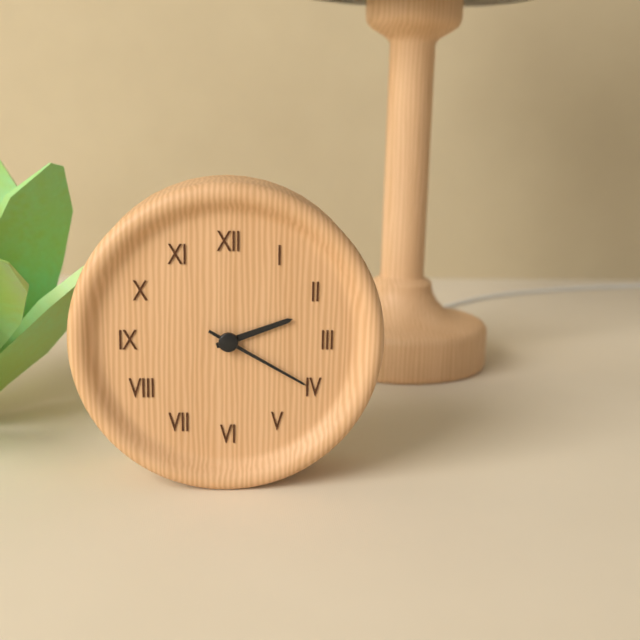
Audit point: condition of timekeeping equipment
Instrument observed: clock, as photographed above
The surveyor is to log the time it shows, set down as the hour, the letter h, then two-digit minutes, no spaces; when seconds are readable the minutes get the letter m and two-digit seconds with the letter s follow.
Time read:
2h20
